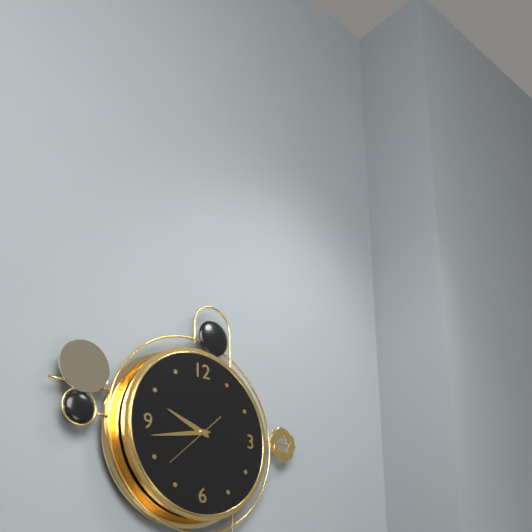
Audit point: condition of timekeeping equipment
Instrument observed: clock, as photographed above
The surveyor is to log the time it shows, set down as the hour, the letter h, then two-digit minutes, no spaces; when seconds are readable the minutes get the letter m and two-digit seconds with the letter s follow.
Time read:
9h43m38s
